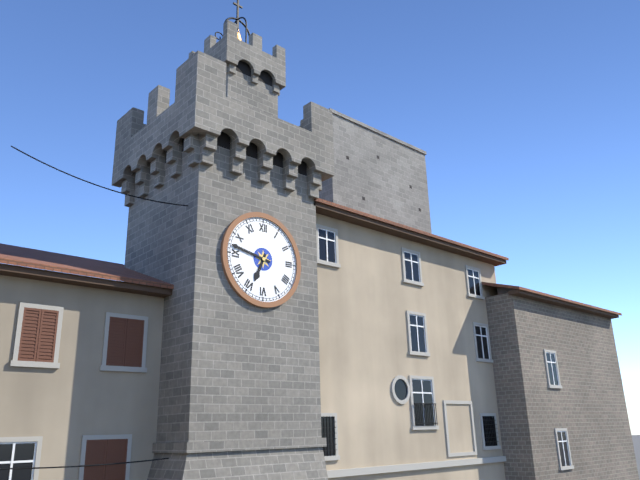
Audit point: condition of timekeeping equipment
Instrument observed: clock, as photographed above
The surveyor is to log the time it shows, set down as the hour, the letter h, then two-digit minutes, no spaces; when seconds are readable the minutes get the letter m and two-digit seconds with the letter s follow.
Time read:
6h47
